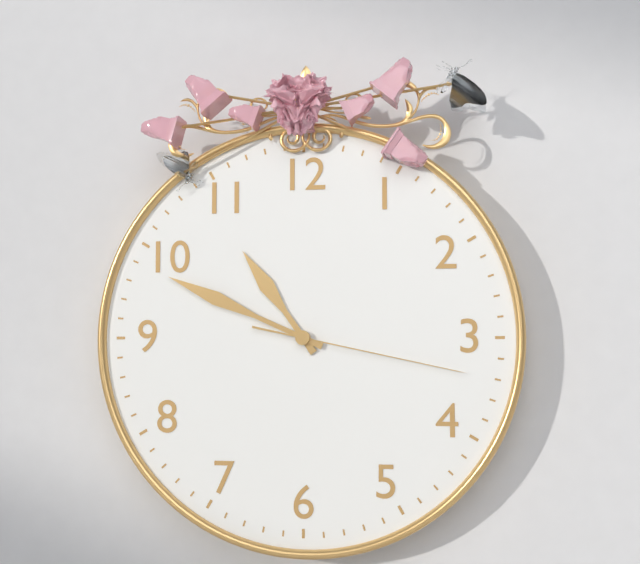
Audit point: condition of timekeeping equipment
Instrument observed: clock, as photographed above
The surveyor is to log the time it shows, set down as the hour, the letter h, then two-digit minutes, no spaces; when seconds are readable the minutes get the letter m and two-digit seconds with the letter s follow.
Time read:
10h49m17s
